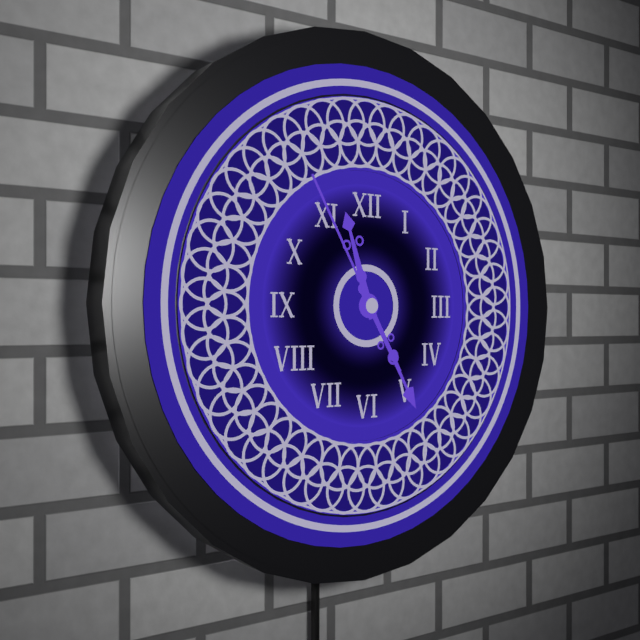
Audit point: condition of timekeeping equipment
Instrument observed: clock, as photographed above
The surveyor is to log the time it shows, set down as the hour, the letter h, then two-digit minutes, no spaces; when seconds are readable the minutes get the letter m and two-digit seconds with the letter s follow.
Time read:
11h25m55s
